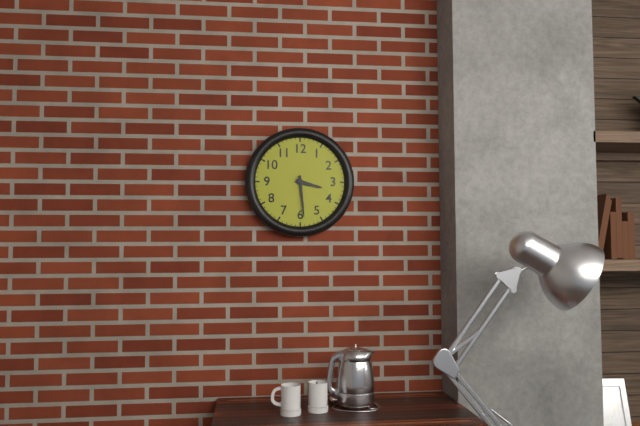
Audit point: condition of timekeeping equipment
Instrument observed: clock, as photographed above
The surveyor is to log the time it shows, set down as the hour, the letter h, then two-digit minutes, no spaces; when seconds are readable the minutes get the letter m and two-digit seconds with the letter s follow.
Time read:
3h29
